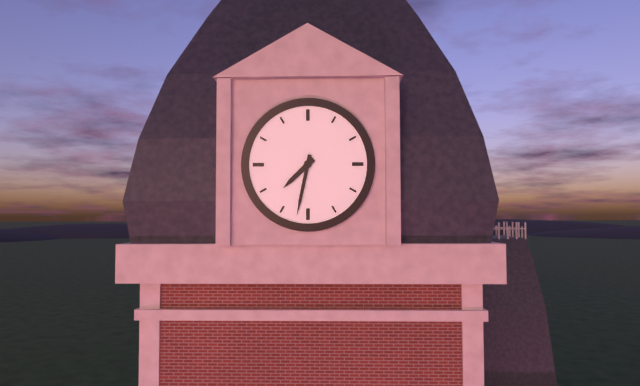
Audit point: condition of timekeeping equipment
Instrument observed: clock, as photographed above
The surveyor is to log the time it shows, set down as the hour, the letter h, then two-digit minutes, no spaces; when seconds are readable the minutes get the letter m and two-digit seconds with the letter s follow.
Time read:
7h32
